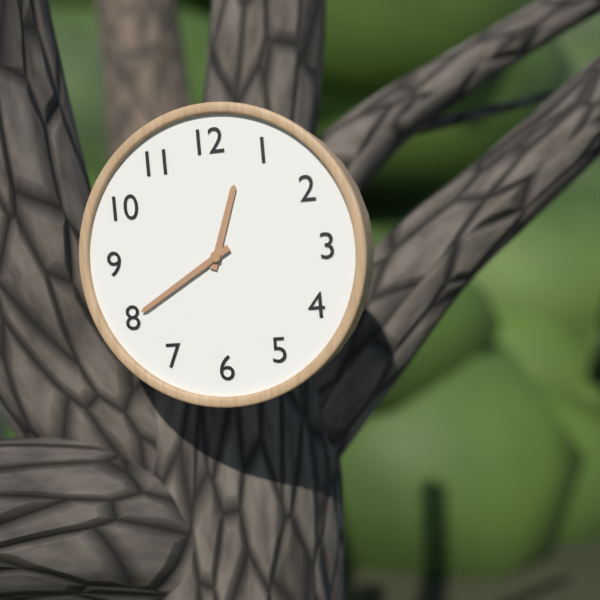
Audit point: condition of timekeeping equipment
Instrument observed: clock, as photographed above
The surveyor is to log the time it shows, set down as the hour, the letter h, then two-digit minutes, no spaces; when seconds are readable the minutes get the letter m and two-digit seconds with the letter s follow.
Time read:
12h40
